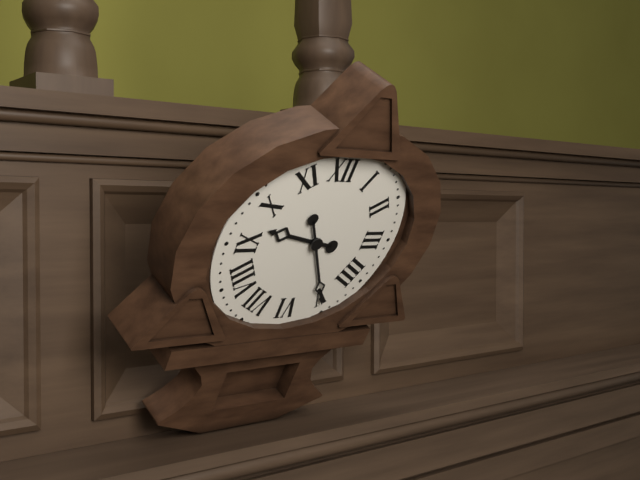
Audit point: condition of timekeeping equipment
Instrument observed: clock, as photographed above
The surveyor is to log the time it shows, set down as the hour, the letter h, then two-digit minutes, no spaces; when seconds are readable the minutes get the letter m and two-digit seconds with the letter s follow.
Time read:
9h25
